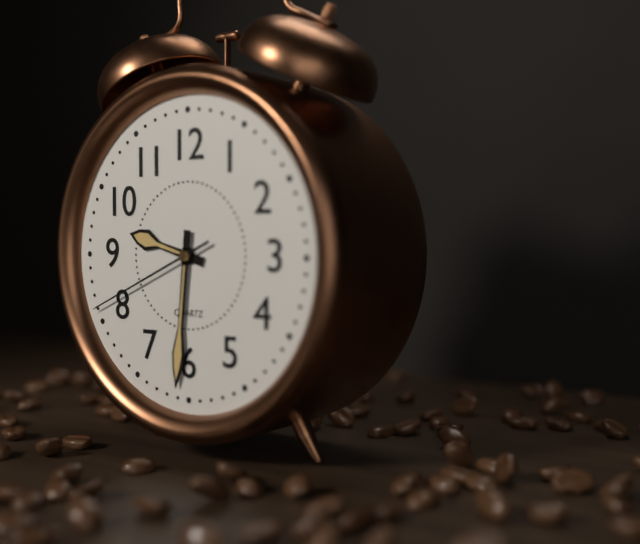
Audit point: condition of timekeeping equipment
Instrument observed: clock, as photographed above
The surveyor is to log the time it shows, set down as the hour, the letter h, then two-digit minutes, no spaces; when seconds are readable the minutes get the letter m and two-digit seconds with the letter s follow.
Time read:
9h31m41s
